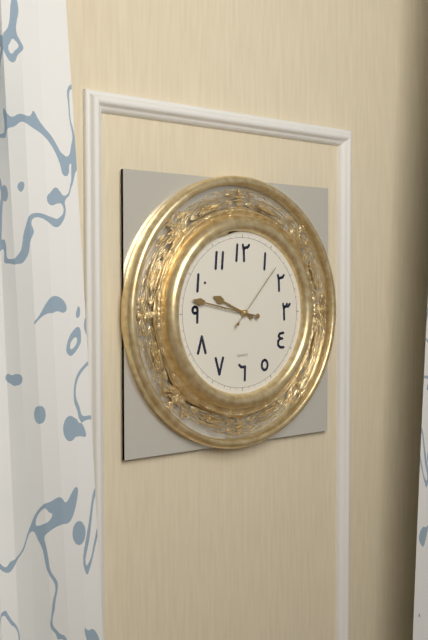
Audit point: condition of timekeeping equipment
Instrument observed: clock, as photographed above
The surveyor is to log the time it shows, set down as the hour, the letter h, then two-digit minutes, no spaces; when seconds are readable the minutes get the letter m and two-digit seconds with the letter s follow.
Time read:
9h47m07s
